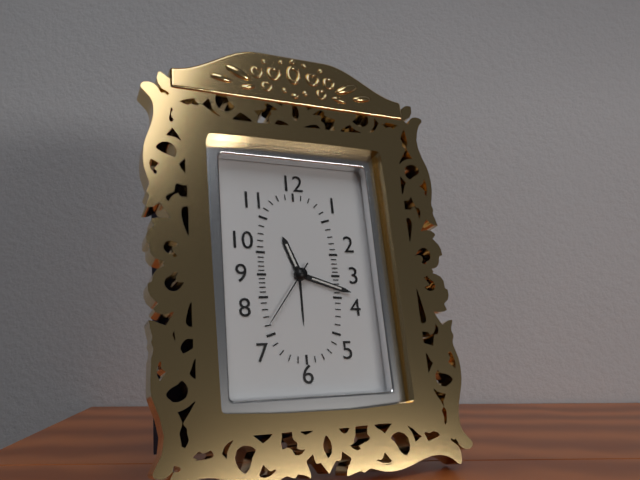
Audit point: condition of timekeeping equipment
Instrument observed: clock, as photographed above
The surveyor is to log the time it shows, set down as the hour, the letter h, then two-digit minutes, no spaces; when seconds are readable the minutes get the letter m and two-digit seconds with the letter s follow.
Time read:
11h18m36s
